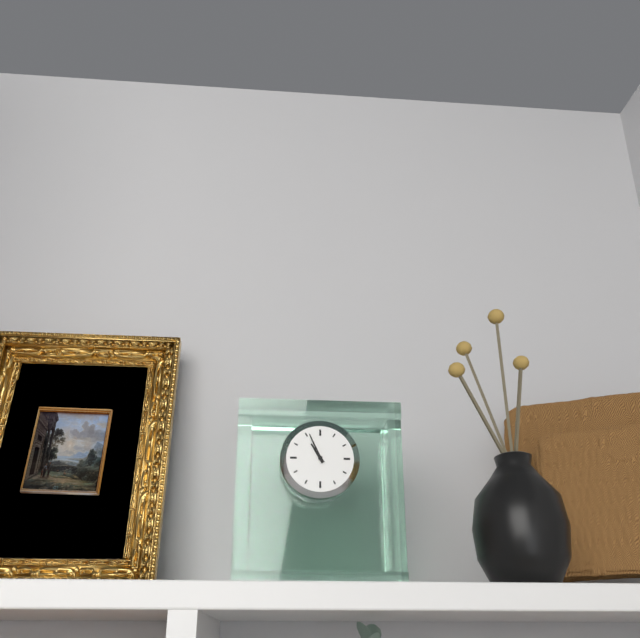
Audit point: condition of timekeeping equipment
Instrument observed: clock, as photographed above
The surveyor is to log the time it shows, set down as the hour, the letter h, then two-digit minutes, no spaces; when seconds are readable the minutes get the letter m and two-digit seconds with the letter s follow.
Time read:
10h56
